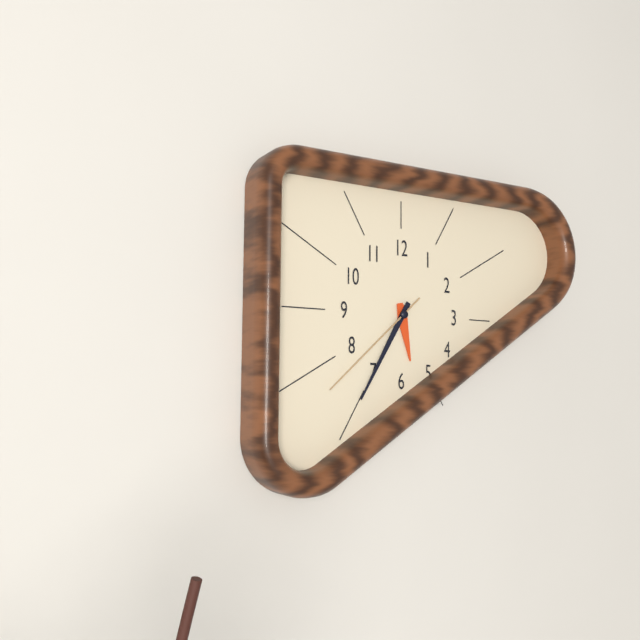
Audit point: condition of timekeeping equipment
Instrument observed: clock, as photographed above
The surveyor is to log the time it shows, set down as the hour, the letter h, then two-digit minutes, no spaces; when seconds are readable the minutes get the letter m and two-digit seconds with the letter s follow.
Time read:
5h35m38s
